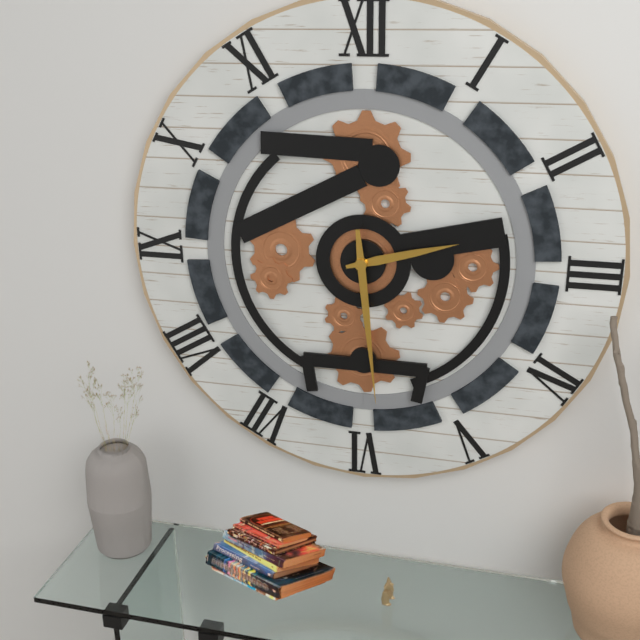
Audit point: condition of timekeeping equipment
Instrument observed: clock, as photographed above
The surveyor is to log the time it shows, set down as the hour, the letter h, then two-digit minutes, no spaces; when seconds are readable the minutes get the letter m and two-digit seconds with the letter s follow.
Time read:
2h29
